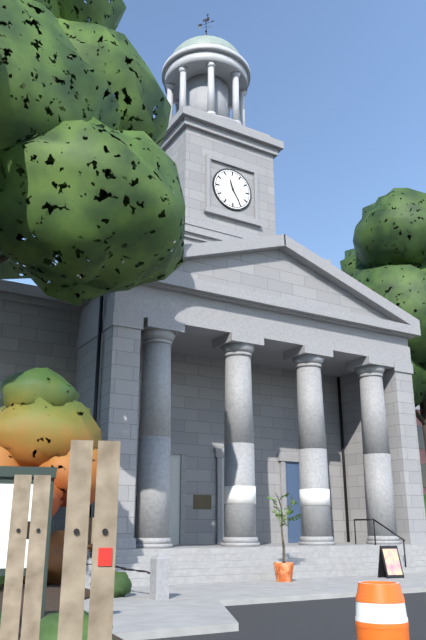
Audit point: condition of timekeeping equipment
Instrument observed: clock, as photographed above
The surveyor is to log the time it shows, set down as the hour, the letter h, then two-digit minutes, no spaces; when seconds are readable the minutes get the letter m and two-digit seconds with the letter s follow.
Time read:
11h25
